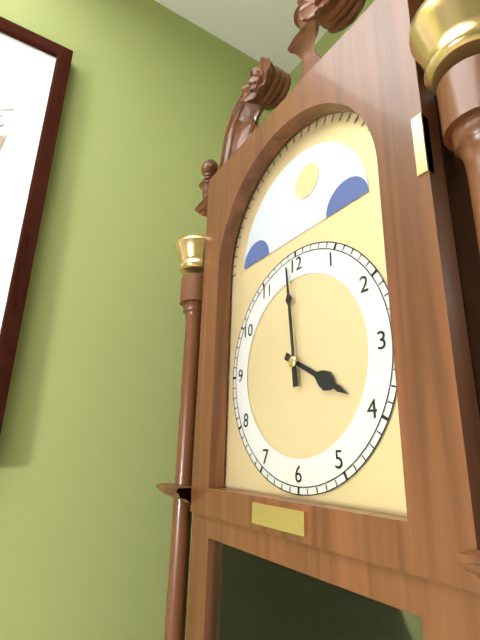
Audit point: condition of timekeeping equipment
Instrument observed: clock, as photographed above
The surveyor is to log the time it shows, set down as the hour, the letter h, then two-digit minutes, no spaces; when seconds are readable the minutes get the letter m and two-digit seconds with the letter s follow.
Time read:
3h59
